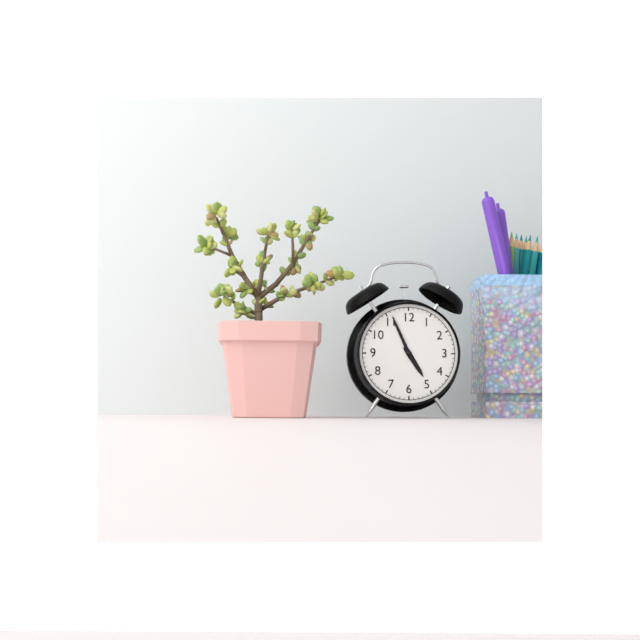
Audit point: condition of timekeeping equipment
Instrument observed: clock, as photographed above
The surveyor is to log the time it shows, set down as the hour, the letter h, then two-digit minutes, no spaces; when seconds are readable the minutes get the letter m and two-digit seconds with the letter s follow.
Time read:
4h56
